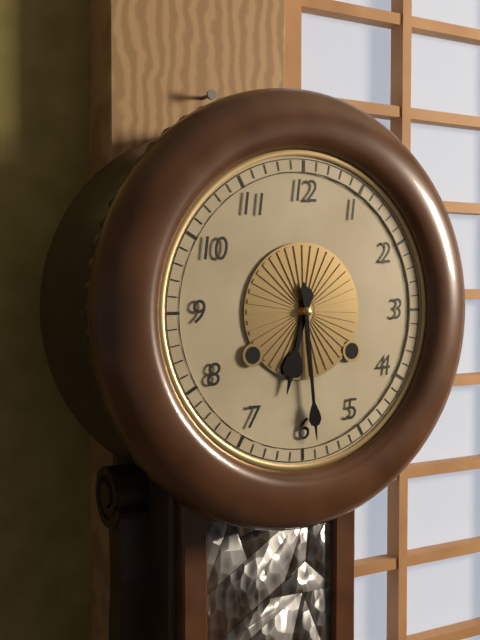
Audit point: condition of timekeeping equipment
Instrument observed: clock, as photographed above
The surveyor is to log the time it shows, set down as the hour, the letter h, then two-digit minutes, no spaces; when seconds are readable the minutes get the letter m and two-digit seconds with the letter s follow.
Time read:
6h29
